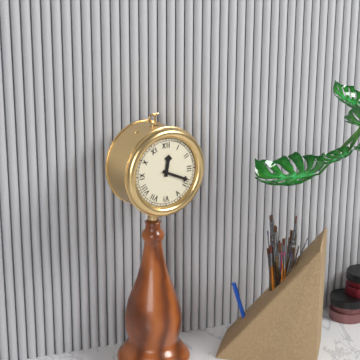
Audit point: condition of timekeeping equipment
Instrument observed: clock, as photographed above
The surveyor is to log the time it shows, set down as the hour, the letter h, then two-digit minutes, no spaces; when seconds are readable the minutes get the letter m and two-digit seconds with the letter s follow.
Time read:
12h19
